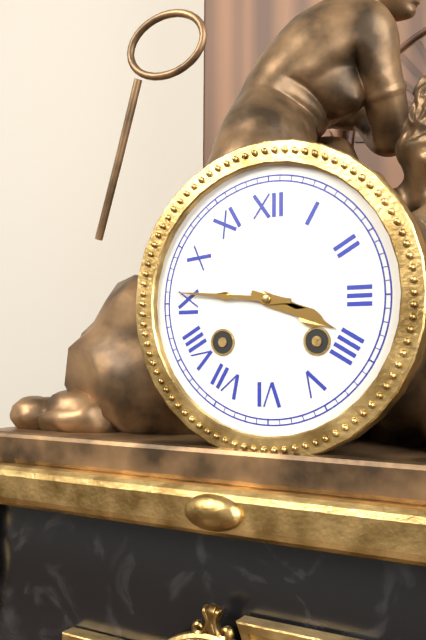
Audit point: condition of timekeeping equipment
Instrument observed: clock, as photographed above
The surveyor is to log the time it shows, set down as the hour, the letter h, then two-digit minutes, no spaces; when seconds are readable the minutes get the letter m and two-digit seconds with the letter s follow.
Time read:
3h46
